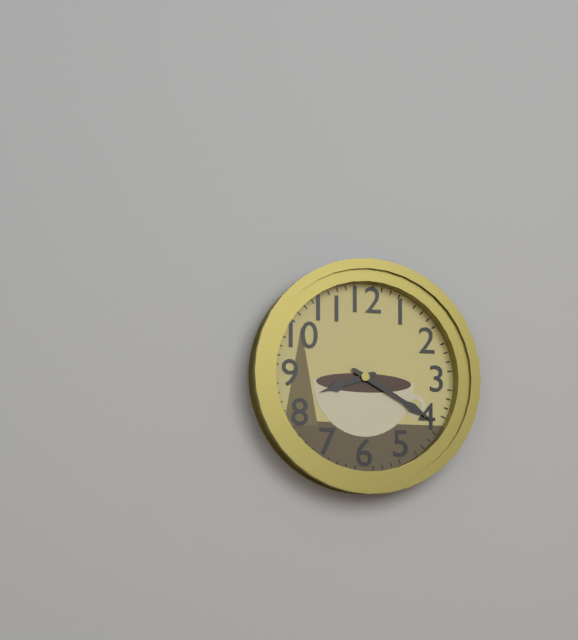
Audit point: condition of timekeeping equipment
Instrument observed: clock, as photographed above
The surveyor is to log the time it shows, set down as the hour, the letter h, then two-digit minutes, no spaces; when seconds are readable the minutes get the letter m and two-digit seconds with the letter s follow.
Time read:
8h20
